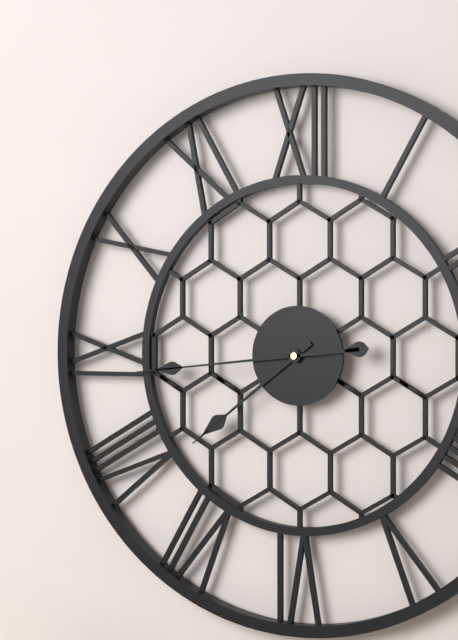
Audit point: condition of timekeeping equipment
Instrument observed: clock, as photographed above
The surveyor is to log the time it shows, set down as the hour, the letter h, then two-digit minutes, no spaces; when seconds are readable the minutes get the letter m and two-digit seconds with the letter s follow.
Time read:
7h44
